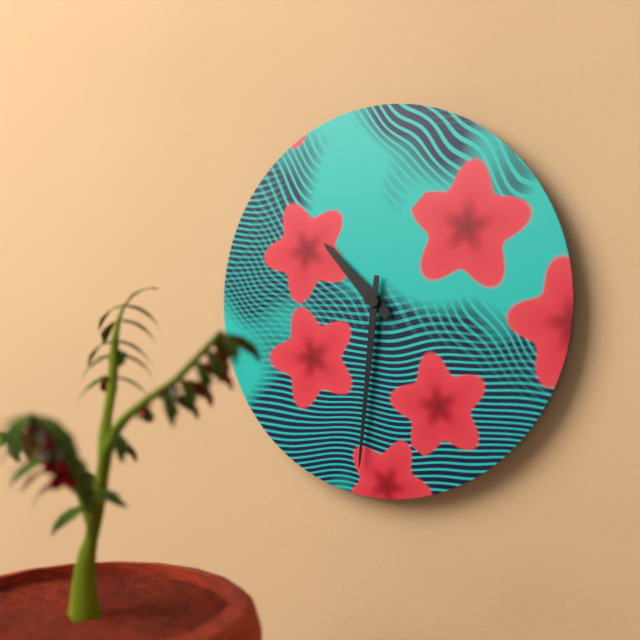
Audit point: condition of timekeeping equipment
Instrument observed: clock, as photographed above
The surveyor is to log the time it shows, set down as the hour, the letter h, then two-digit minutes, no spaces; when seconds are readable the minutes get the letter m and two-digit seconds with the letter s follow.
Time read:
10h31
